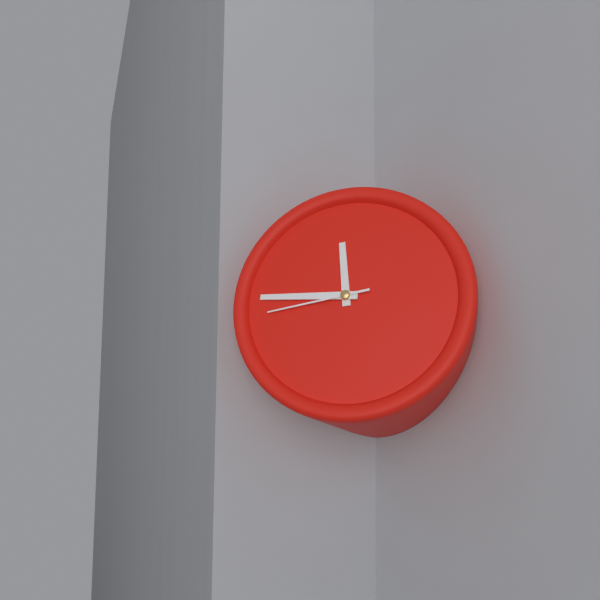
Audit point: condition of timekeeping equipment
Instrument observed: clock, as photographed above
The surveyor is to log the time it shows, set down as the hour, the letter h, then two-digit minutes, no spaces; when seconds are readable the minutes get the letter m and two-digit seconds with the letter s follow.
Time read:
11h45m43s
